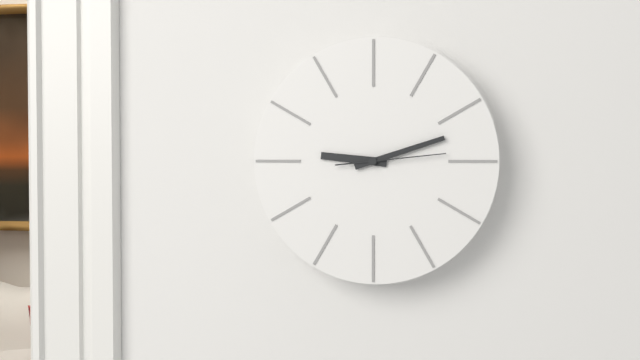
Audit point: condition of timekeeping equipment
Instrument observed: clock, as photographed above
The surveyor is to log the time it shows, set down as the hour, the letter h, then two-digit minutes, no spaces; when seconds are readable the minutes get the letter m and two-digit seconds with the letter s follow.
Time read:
9h12m14s
